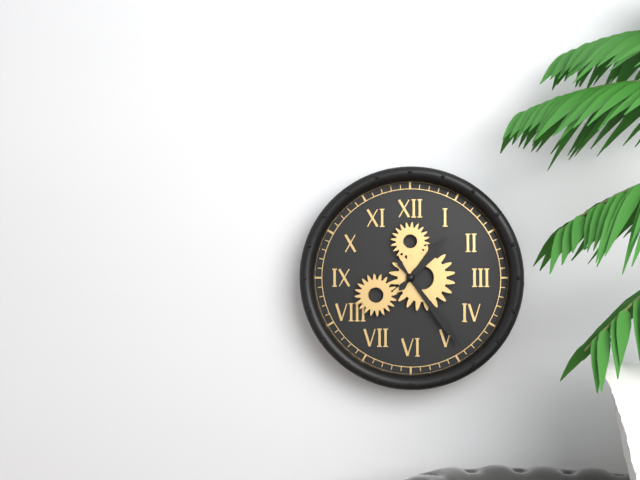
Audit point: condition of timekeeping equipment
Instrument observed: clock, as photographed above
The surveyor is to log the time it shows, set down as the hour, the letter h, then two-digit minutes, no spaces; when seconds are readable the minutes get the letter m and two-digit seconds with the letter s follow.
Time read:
1h24
